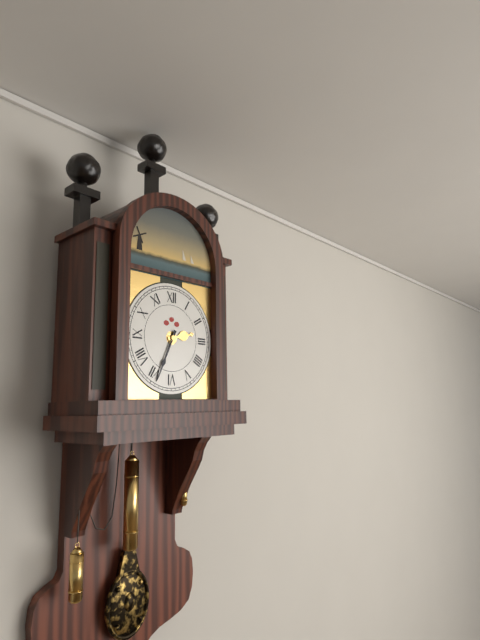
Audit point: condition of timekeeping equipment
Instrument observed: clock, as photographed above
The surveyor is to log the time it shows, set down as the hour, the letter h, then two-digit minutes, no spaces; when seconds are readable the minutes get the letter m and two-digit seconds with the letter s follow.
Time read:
2h34
